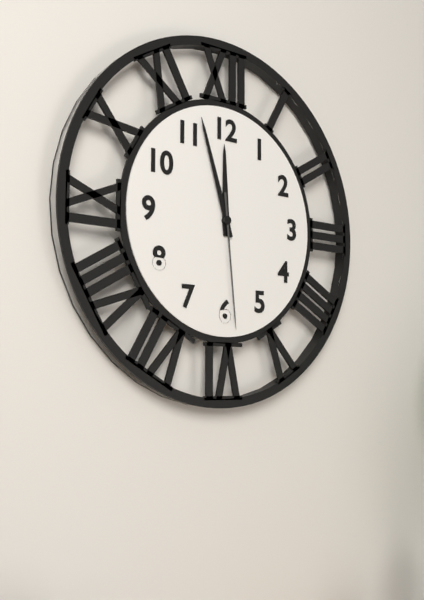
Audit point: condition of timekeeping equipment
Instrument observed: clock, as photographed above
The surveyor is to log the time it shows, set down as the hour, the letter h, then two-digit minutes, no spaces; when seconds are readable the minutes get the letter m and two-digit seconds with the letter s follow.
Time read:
11h57m29s
